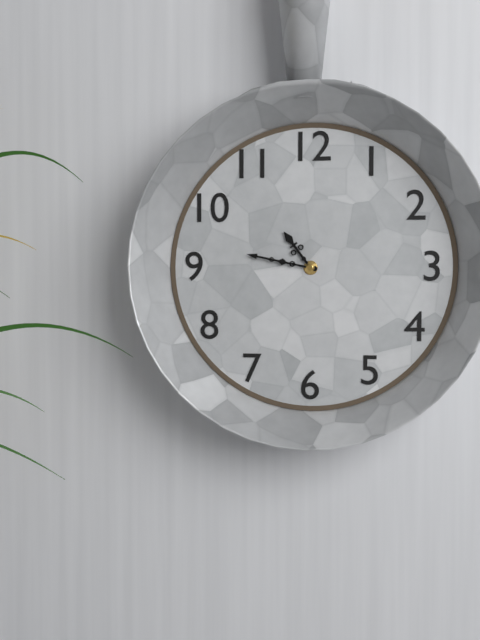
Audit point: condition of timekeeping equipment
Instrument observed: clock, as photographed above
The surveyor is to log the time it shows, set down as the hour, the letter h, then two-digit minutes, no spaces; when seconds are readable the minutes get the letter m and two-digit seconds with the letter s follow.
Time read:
10h47
